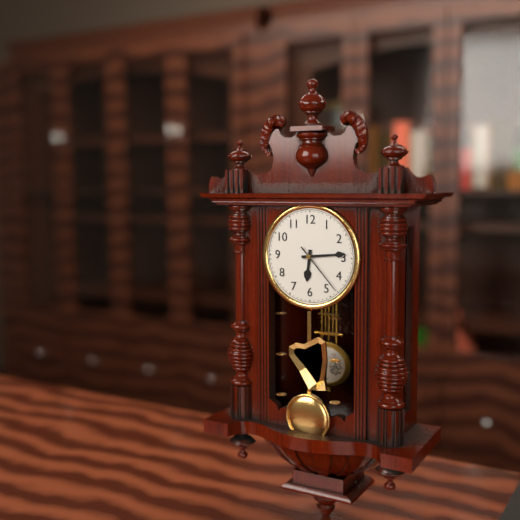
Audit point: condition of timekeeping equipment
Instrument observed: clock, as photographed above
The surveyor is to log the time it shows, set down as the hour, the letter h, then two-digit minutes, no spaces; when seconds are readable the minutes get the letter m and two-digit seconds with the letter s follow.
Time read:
6h14m23s
